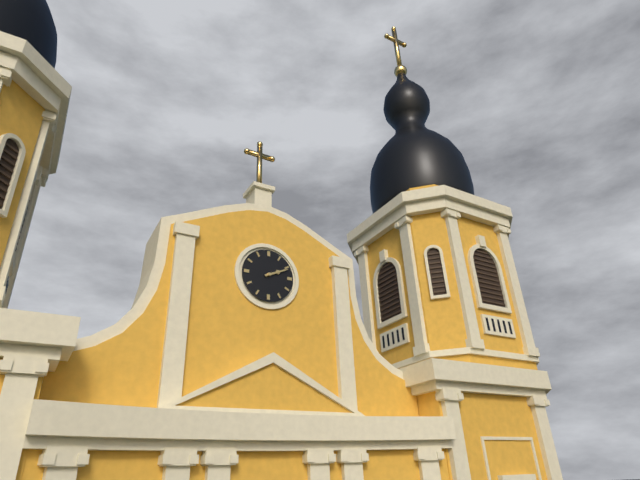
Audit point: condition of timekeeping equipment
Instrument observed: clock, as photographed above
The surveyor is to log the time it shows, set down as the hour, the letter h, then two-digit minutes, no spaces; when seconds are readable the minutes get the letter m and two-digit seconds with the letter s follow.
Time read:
2h11
